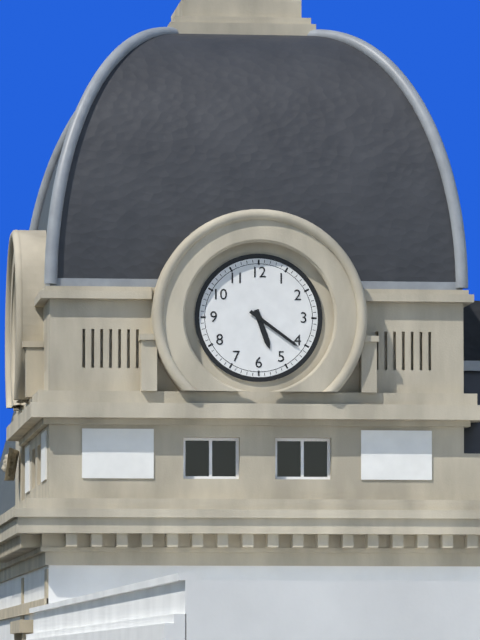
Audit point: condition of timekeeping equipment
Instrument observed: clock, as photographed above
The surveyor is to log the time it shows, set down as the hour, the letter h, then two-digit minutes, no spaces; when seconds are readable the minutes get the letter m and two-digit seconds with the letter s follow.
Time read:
5h21
